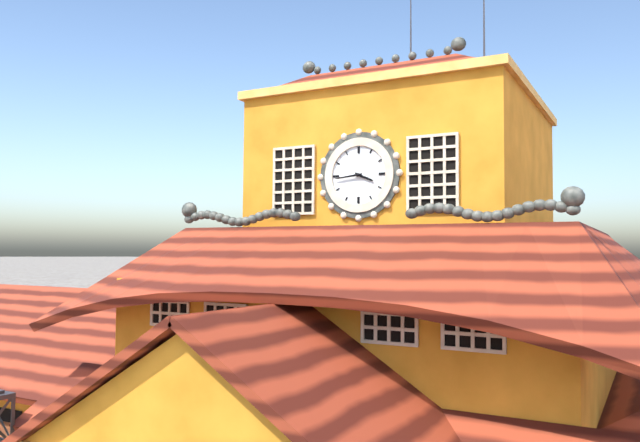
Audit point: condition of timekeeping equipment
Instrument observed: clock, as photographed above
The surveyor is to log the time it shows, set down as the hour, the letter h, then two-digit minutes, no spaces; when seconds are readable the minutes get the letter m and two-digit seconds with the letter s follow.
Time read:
3h44
